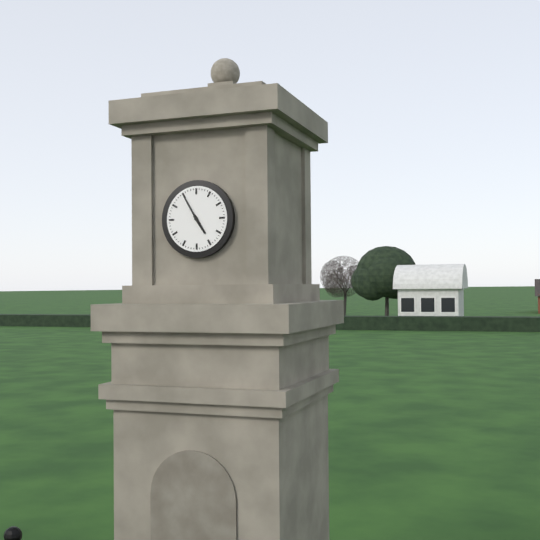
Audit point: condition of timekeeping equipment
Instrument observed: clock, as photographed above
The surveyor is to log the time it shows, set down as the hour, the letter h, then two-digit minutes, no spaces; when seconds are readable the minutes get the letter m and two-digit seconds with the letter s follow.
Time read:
4h55
